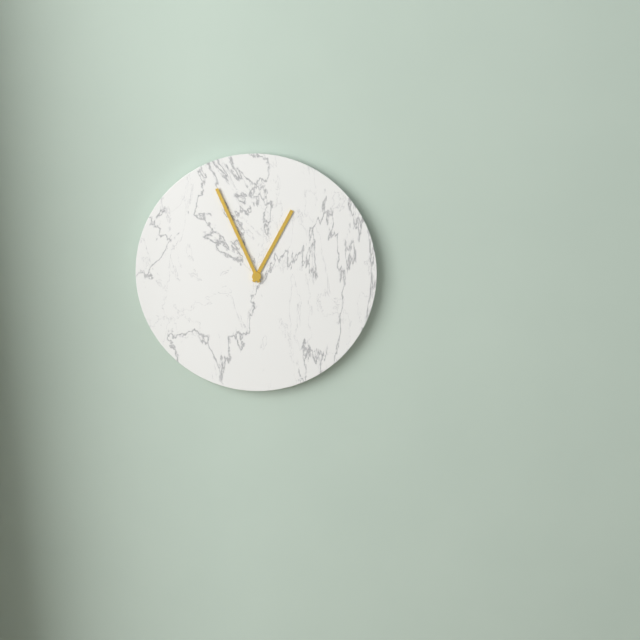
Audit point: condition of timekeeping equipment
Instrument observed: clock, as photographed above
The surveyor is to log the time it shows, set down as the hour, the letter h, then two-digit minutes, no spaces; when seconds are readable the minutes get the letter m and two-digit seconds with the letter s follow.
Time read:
12h56
